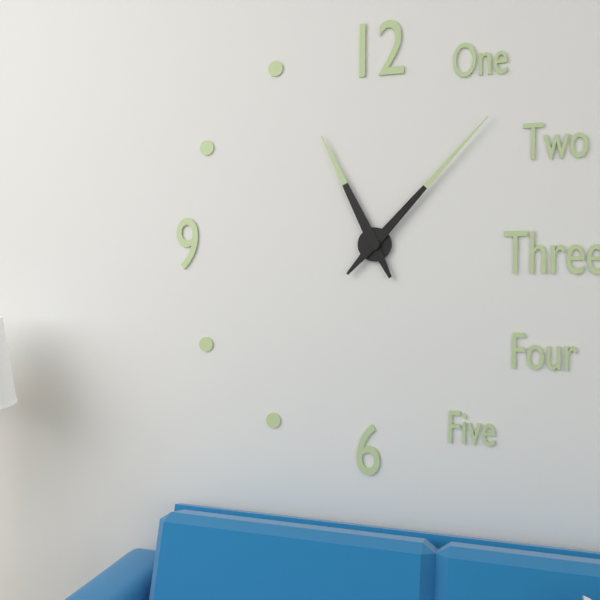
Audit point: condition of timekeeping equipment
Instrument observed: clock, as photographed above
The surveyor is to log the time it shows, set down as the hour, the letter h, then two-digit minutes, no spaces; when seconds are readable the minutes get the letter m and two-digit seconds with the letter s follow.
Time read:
11h07
